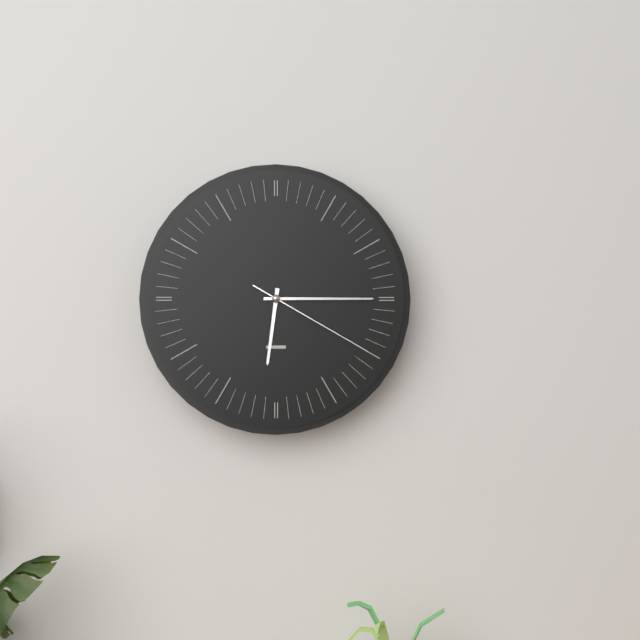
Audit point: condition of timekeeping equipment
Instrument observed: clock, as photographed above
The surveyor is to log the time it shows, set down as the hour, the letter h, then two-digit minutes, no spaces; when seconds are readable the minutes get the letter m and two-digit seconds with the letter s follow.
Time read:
6h15m20s
